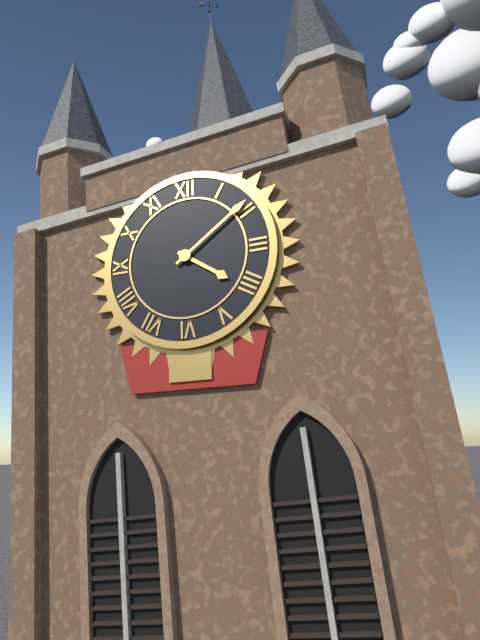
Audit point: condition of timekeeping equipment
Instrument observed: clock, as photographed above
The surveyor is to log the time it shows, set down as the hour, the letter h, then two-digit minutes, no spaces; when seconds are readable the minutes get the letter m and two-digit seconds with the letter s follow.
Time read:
4h09
